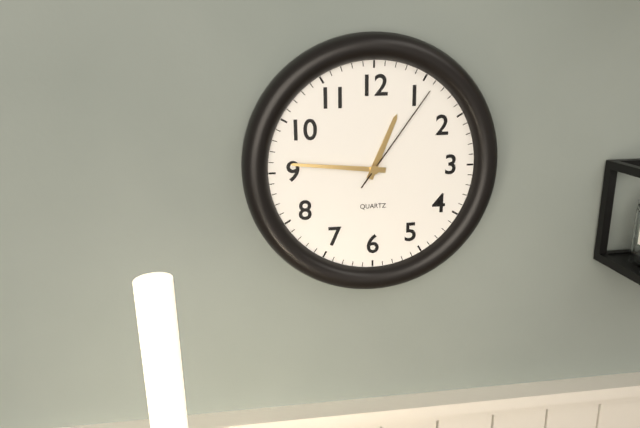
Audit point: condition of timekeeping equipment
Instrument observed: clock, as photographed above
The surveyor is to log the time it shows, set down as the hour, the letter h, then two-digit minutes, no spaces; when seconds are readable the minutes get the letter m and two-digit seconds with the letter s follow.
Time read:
12h46m06s
